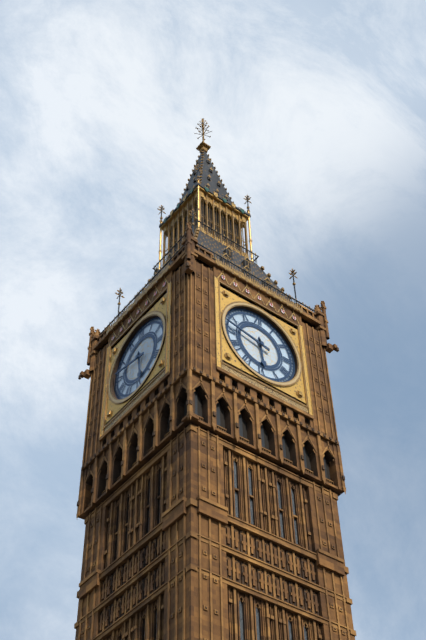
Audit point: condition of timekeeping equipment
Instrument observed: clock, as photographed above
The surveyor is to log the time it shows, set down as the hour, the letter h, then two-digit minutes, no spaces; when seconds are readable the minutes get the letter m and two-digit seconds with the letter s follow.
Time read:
5h47
